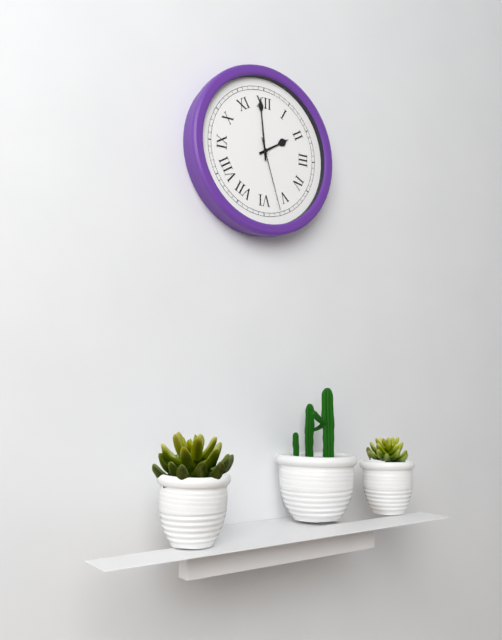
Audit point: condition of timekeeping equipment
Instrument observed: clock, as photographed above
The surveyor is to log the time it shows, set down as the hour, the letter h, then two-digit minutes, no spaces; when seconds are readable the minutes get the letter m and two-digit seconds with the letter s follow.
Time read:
1h59m27s
